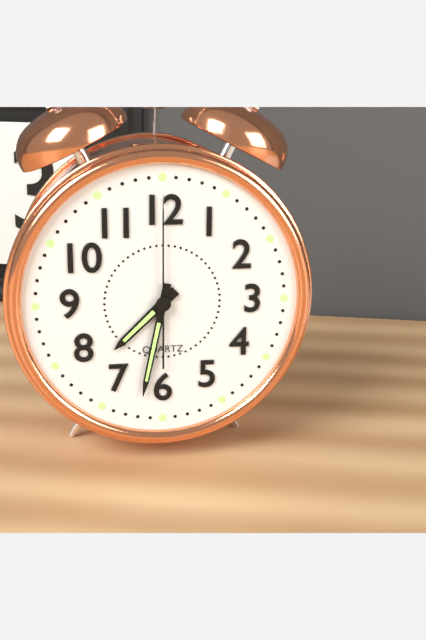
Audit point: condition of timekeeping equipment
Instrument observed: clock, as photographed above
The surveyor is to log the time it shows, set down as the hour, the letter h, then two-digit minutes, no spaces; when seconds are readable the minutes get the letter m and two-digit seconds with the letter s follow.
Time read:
7h32m00s
